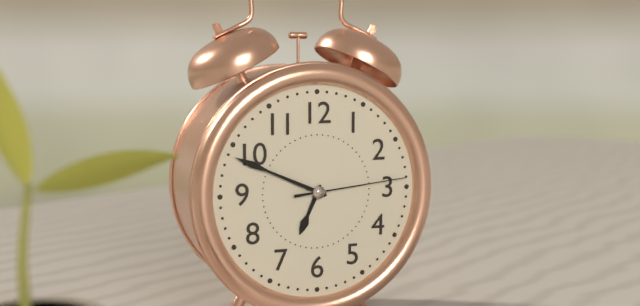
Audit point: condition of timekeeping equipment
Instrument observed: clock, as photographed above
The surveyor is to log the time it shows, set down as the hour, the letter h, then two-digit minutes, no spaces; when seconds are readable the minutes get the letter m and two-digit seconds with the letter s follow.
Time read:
6h49m14s
